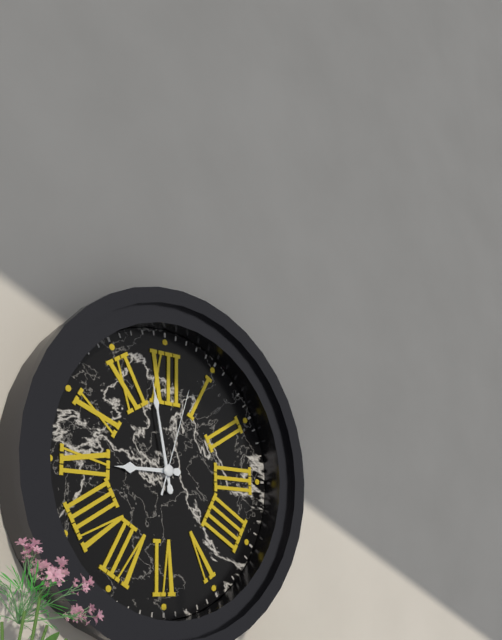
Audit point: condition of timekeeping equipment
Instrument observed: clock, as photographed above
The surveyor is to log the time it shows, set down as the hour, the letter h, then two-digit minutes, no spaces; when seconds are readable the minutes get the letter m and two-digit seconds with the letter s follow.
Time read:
8h58m03s
